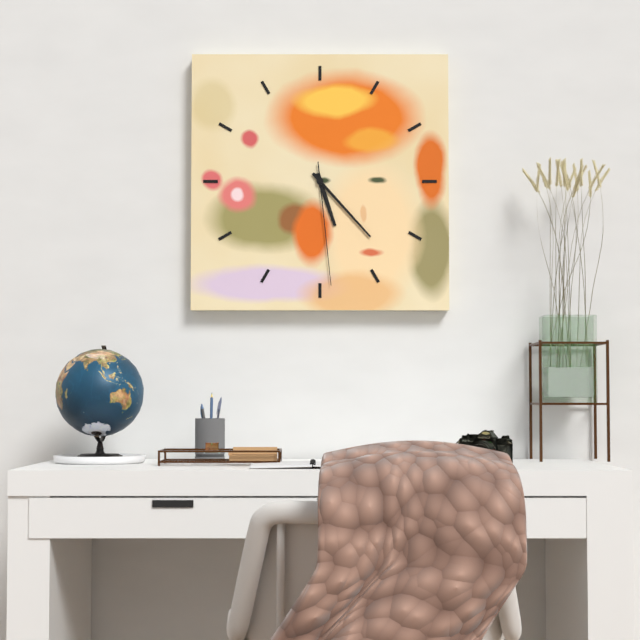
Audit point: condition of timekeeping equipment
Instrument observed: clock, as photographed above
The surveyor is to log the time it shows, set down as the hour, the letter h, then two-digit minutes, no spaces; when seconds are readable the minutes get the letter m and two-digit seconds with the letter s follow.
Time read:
5h23m29s
